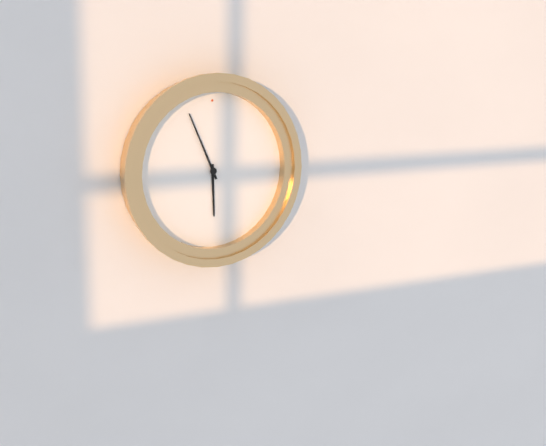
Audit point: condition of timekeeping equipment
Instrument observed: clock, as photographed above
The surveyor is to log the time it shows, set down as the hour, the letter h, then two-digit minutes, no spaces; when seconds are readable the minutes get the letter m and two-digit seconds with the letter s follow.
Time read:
5h56
